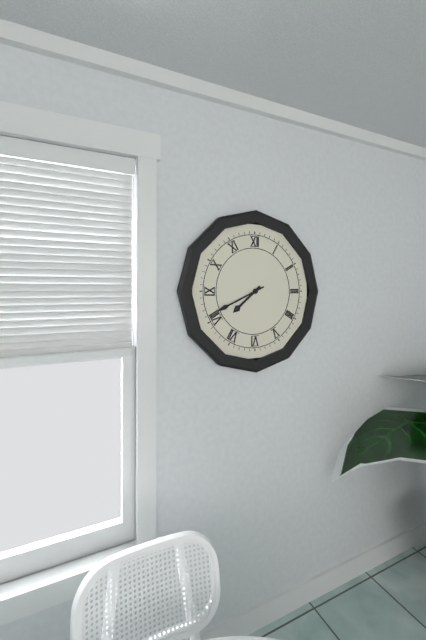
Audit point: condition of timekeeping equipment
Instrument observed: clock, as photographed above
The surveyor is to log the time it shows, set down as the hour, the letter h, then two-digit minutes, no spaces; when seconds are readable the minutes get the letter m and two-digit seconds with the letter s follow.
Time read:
7h41
